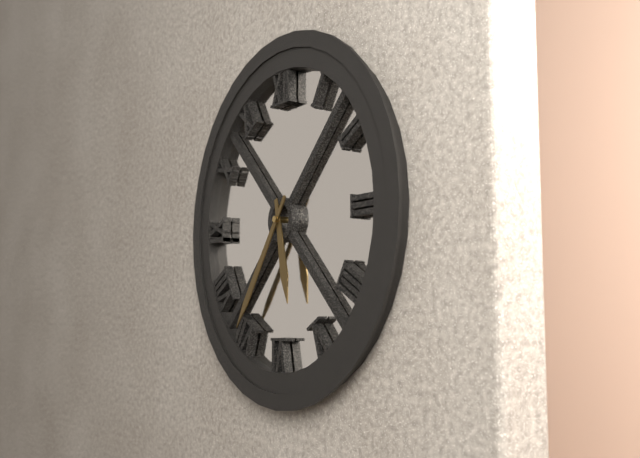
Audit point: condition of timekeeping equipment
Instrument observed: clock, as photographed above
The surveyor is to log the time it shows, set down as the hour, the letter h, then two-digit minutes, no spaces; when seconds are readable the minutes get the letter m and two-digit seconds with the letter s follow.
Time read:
5h36
